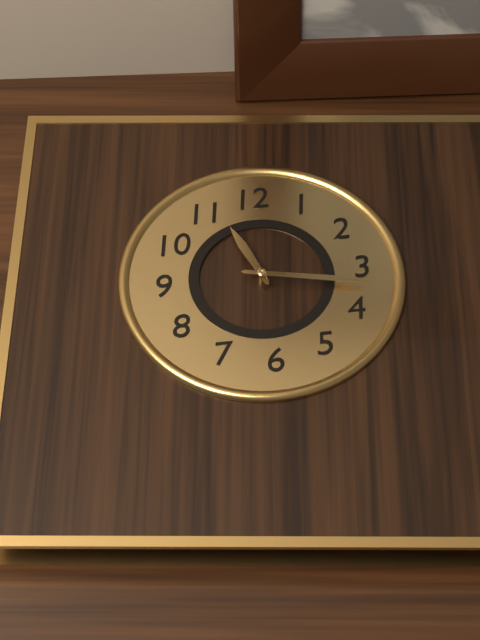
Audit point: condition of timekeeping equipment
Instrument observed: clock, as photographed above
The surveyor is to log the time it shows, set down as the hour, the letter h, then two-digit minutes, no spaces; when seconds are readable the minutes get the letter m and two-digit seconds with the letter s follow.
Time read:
11h17
